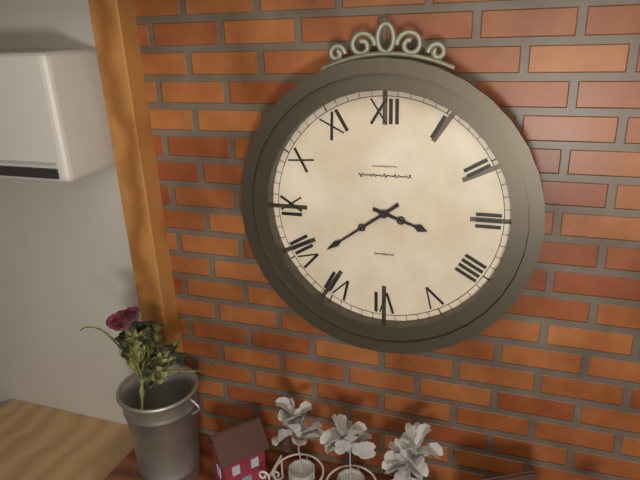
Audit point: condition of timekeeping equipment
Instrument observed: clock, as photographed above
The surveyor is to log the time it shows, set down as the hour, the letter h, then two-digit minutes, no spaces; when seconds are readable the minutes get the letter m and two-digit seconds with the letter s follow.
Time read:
3h39
